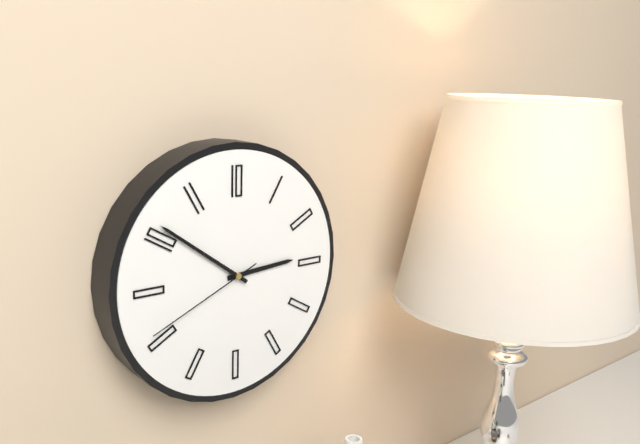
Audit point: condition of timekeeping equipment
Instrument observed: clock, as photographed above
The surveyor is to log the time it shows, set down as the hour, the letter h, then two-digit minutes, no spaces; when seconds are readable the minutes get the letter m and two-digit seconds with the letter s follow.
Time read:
2h51m41s
